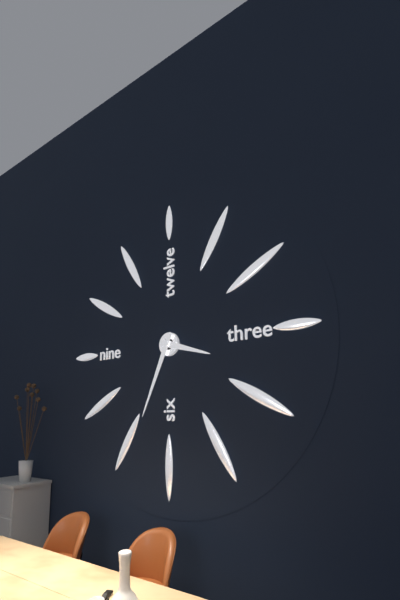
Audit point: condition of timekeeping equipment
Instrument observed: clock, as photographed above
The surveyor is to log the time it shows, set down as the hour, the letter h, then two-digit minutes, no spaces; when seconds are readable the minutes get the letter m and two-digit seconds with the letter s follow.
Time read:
3h34
